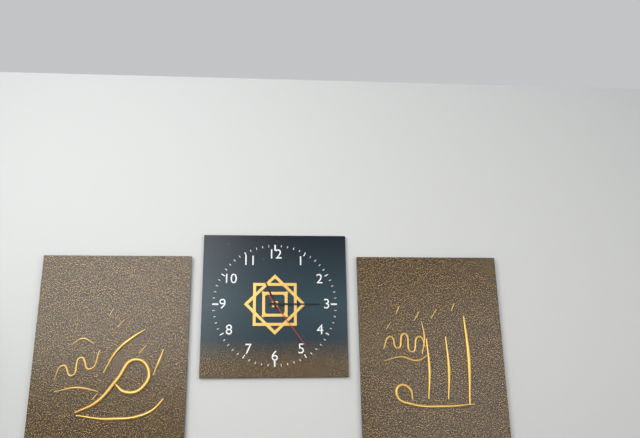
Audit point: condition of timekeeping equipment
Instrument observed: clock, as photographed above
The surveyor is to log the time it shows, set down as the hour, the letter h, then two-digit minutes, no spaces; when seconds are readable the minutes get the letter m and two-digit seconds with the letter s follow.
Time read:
11h15m24s
